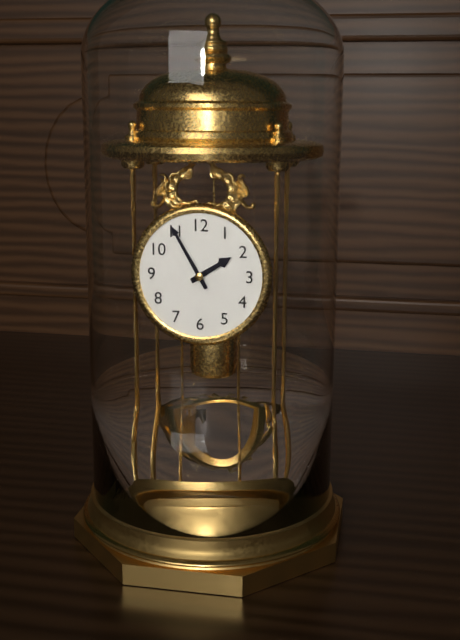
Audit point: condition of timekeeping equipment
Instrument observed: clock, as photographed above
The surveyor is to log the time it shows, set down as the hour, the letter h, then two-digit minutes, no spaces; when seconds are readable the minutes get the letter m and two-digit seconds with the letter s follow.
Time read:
1h55
